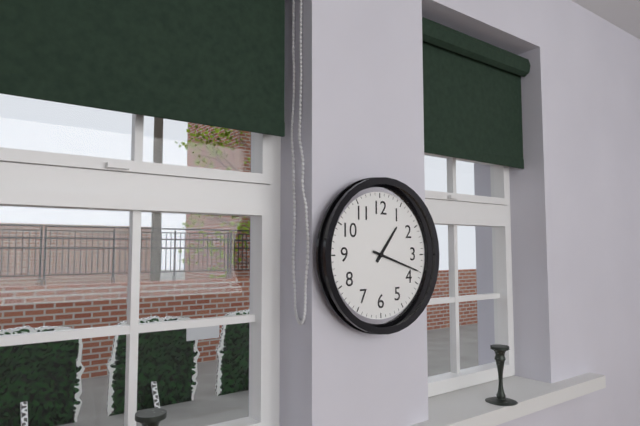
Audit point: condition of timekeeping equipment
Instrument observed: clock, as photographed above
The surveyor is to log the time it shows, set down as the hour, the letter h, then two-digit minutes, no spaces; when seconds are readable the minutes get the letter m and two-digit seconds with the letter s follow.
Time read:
1h18
